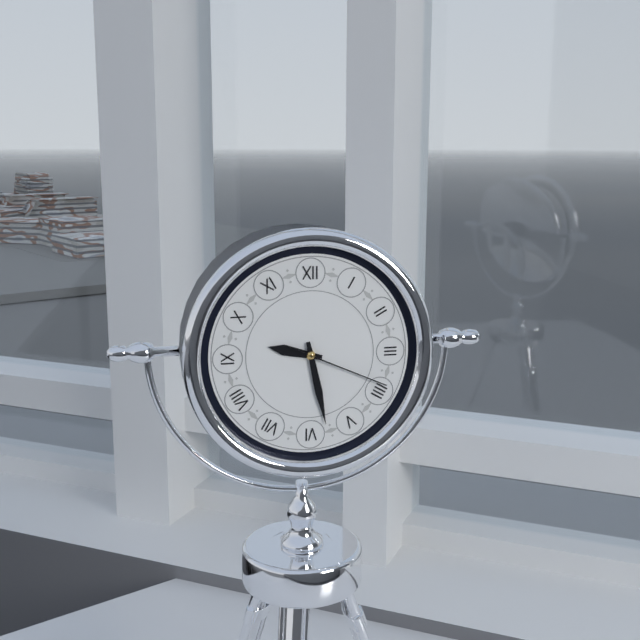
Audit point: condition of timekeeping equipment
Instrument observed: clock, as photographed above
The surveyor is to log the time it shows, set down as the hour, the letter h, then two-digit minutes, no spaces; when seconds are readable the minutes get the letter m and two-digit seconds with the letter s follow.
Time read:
9h28m19s
